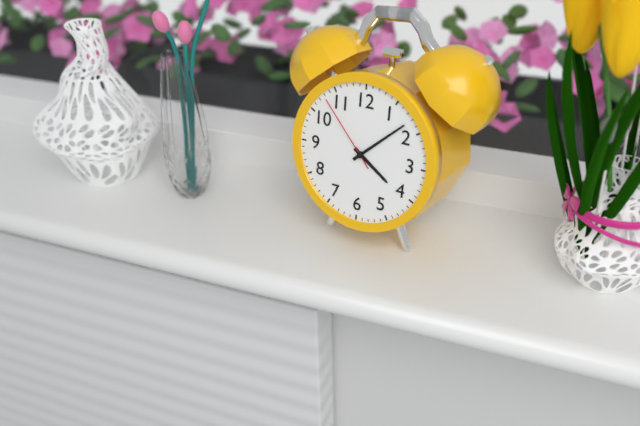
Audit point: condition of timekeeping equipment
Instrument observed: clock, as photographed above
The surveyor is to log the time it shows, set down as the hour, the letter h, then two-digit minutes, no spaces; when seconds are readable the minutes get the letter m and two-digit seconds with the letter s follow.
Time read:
4h08m53s
